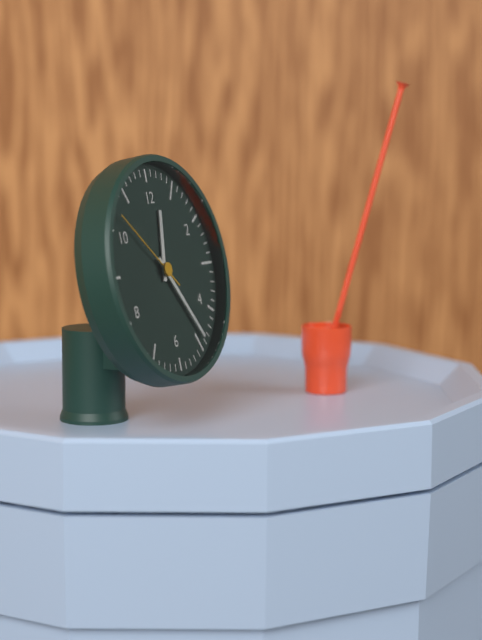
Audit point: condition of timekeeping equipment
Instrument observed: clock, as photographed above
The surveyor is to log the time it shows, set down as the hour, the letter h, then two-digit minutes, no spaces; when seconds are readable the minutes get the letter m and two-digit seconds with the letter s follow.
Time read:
12h24m52s
